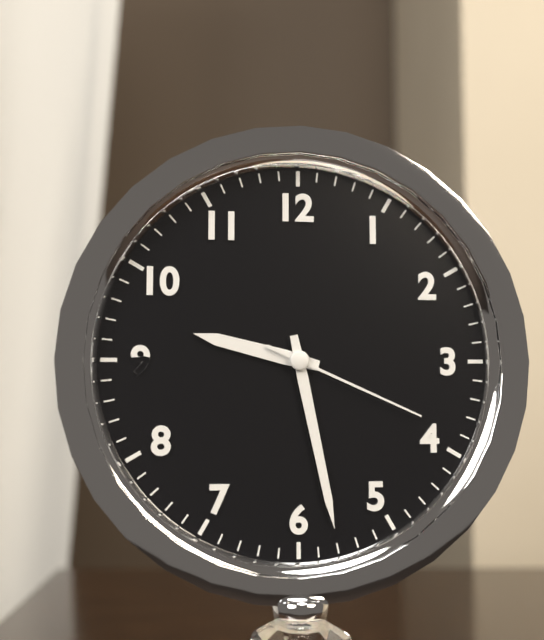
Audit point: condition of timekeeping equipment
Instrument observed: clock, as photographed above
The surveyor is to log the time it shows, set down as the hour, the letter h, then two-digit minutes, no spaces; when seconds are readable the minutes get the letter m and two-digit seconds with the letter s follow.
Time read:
9h28m19s
